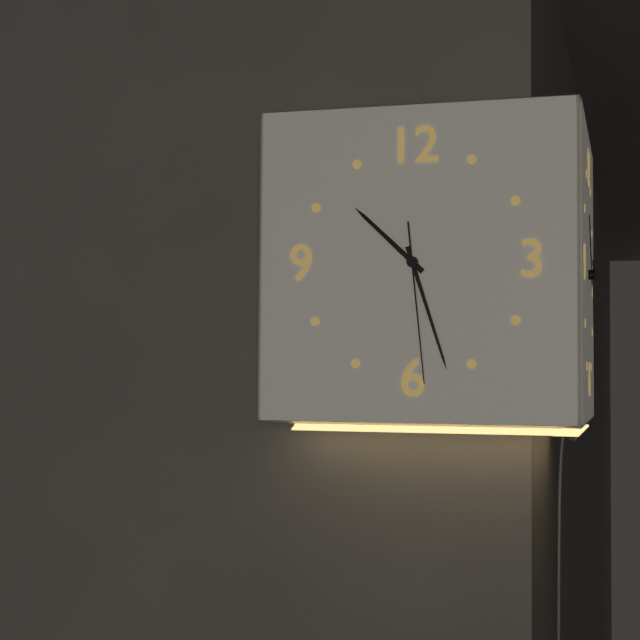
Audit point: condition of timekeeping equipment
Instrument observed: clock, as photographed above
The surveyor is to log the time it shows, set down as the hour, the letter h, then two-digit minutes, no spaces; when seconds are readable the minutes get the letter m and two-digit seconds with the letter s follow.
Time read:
10h27m29s
